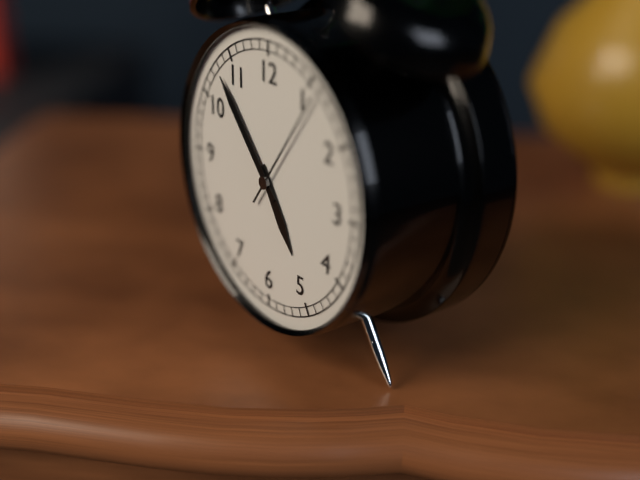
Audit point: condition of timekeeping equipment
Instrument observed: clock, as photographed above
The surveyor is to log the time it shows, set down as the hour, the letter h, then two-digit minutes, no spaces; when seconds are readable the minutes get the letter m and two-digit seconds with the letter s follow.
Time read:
4h53m06s
